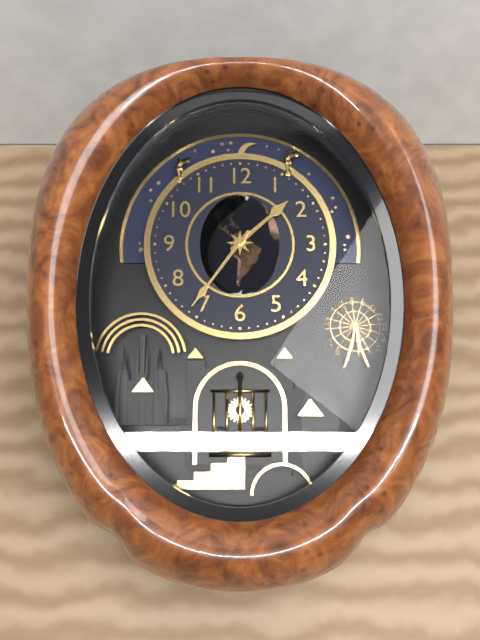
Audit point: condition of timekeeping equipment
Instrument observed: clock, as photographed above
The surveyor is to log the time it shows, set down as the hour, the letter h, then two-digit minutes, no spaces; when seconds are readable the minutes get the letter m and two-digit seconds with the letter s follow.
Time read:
1h36
